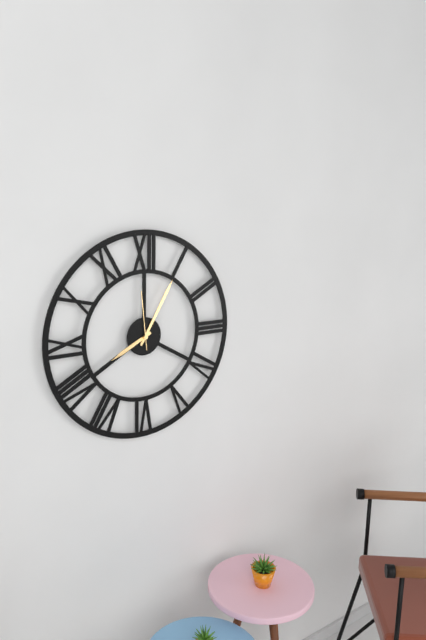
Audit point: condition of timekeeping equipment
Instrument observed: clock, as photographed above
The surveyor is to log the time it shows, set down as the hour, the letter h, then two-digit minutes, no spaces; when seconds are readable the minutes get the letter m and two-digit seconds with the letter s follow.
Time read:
8h05m59s
